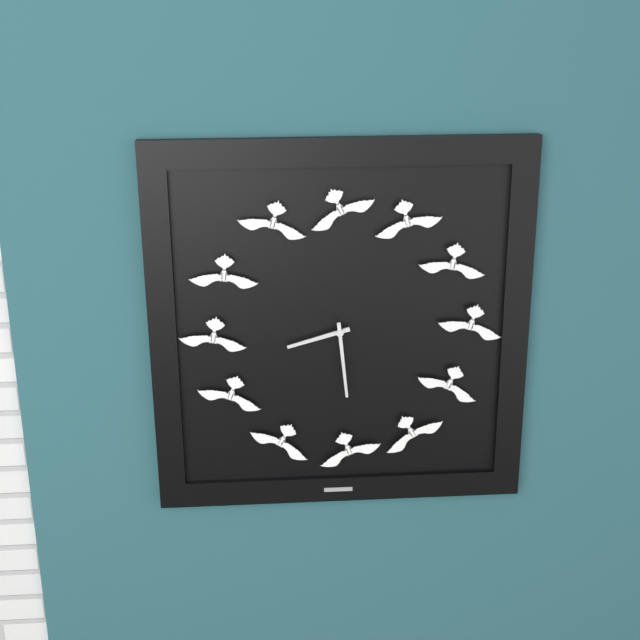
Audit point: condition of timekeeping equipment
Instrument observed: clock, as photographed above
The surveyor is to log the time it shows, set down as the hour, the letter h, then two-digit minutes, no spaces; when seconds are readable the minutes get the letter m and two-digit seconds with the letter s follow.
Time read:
8h29
